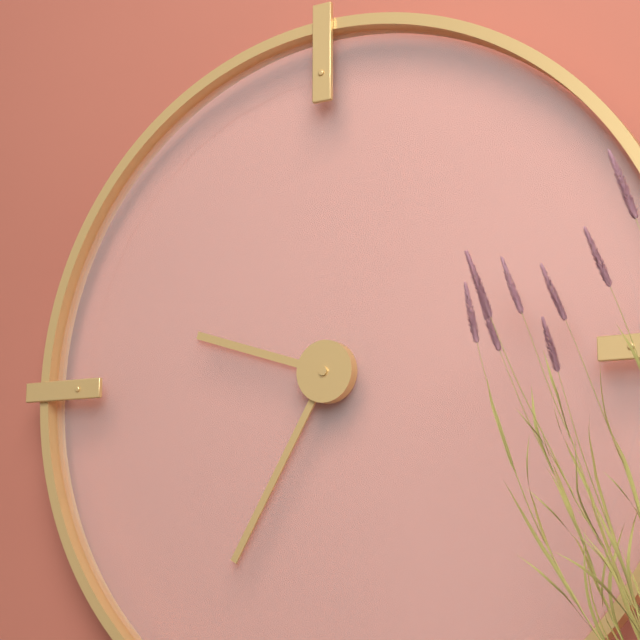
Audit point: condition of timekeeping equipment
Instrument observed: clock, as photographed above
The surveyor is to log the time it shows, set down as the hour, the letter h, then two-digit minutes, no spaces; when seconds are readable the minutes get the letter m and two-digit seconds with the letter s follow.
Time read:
9h35
